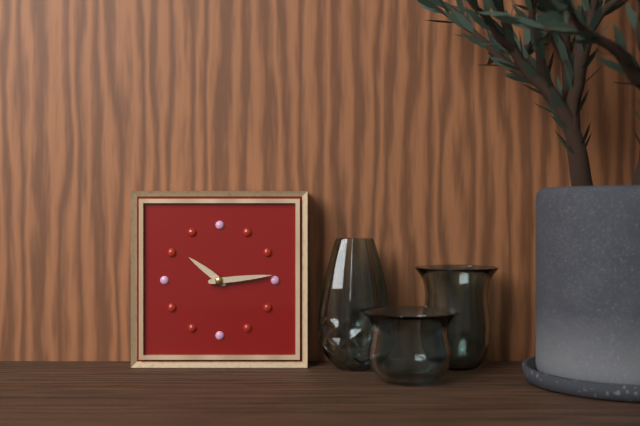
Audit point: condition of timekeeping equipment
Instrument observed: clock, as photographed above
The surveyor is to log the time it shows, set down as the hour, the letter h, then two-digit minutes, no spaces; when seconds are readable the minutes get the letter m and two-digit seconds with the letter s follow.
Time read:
10h14
